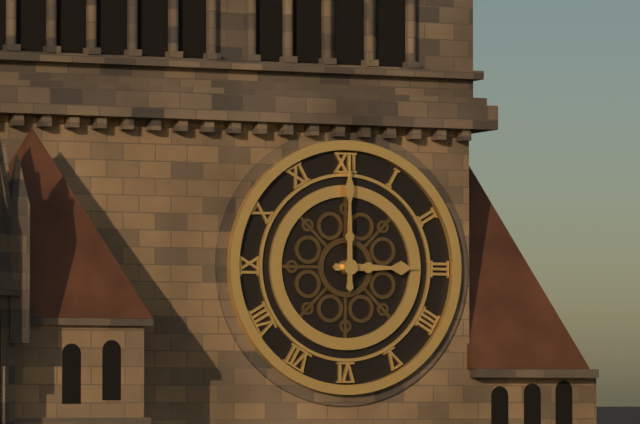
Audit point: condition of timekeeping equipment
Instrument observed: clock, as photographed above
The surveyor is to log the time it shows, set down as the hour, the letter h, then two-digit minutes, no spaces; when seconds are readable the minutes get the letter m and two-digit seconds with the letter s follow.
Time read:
3h00
